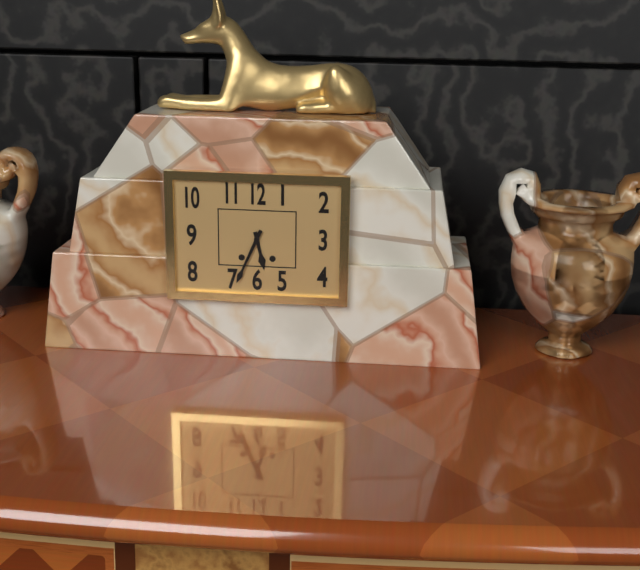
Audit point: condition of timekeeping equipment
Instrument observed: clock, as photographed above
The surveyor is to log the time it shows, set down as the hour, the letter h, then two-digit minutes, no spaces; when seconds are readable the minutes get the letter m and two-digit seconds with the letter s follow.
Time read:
5h34
